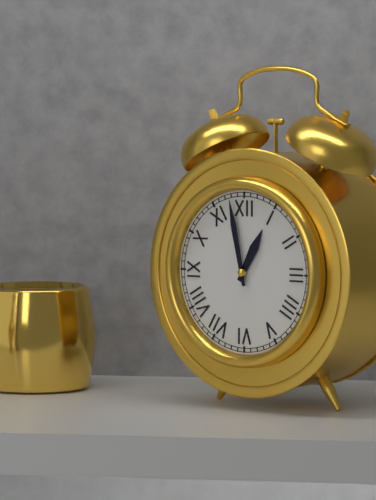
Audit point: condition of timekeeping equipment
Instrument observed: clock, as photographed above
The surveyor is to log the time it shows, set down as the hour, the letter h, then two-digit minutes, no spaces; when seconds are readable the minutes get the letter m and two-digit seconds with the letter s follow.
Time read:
12h58
